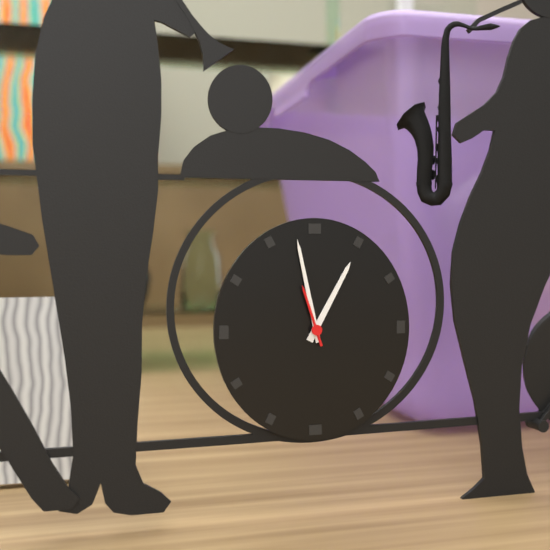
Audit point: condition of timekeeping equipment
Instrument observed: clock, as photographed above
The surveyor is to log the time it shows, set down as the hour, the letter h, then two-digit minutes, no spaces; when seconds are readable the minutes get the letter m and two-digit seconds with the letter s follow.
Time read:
12h58m57s
